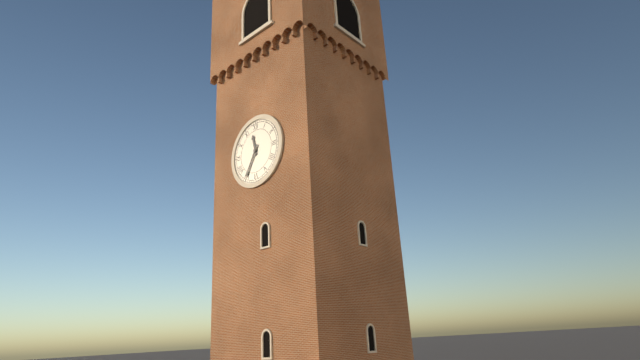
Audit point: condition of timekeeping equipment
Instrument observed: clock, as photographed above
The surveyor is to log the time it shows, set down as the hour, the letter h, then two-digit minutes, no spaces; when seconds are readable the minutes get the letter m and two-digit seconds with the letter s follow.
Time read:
11h35
